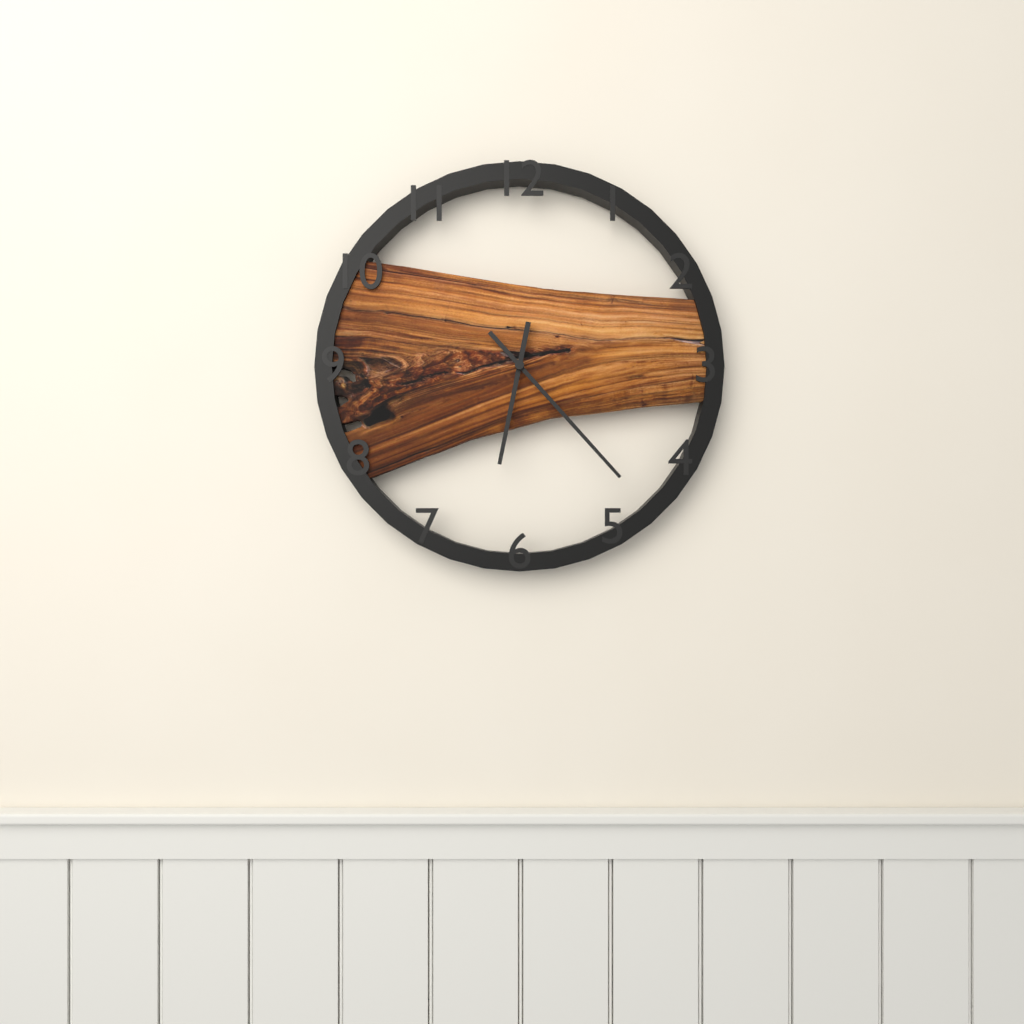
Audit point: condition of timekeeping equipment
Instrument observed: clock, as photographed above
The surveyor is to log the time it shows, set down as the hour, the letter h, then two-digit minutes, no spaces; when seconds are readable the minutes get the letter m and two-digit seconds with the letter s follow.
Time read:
6h23
